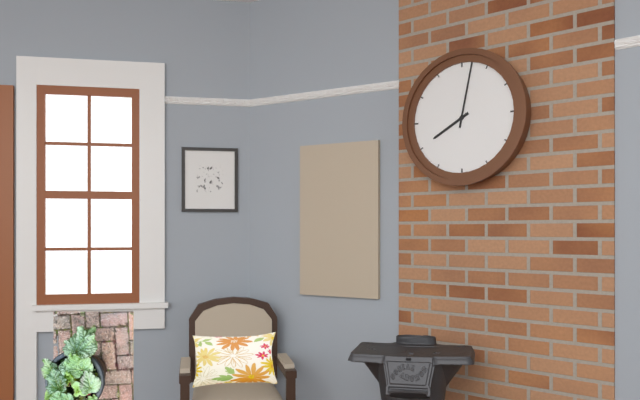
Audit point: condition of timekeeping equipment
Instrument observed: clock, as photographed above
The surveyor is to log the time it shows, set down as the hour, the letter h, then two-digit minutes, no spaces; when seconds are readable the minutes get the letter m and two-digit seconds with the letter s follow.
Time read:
8h02
